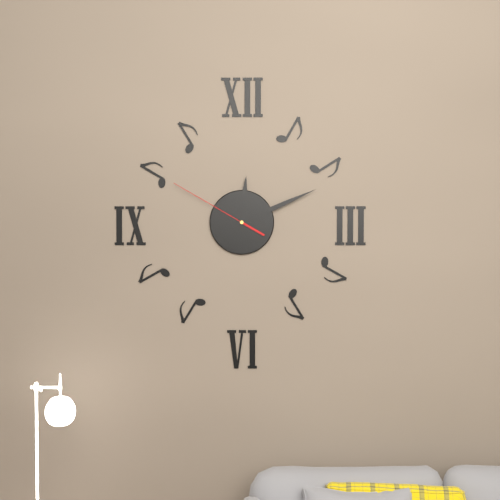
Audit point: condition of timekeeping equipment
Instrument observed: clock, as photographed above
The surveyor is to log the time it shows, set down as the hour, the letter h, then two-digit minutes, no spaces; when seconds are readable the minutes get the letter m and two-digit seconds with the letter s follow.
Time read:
12h11m50s
